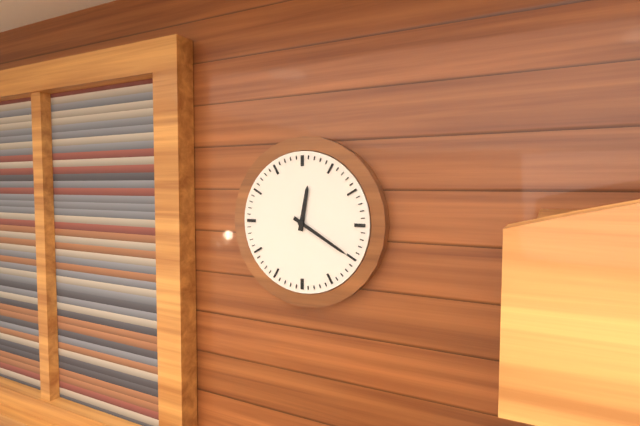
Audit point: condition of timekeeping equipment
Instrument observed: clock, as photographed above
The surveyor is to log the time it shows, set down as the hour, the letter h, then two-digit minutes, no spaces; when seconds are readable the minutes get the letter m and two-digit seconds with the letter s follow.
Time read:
12h20
